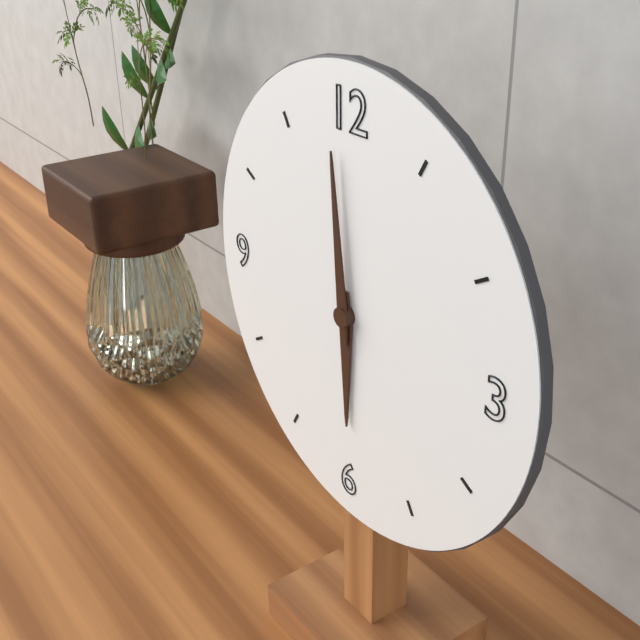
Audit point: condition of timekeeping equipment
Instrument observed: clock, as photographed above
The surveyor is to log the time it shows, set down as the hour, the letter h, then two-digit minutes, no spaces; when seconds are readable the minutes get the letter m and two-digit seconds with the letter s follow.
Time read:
5h59
